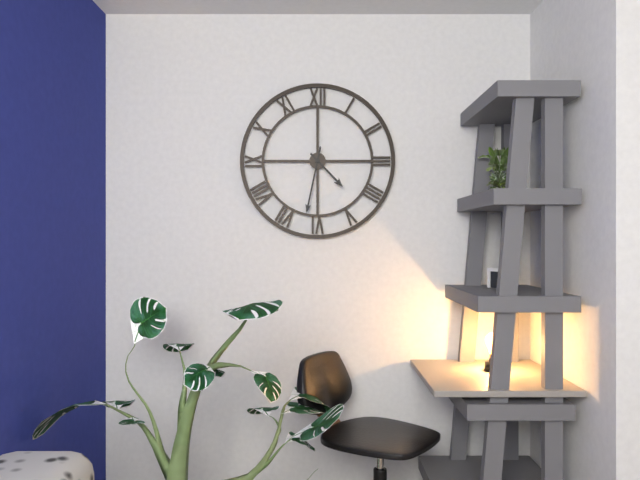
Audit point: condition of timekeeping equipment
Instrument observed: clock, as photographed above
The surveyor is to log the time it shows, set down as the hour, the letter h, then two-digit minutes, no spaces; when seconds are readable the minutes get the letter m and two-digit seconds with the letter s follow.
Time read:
4h32
